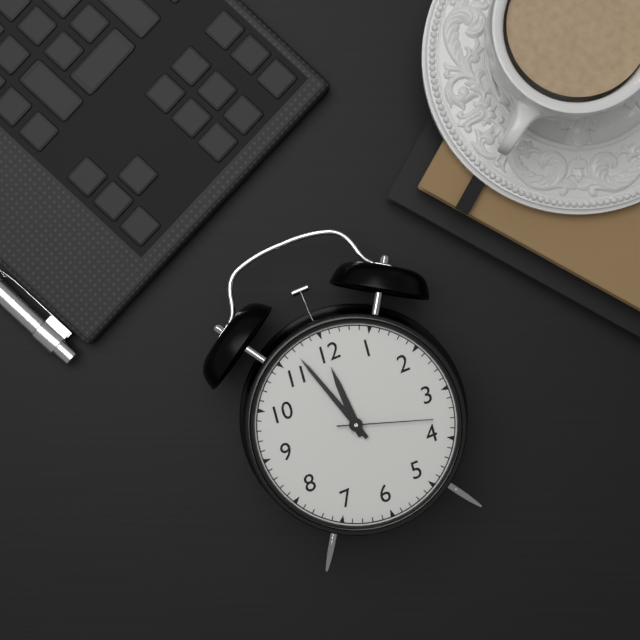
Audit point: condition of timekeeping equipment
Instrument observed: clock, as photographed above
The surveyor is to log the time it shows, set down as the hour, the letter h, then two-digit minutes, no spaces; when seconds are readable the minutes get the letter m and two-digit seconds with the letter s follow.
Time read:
11h57m18s
